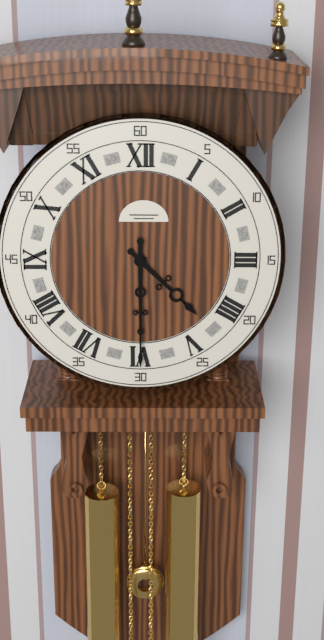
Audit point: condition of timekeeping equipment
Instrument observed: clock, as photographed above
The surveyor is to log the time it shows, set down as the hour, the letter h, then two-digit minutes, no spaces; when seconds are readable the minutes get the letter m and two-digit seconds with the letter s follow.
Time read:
4h30
